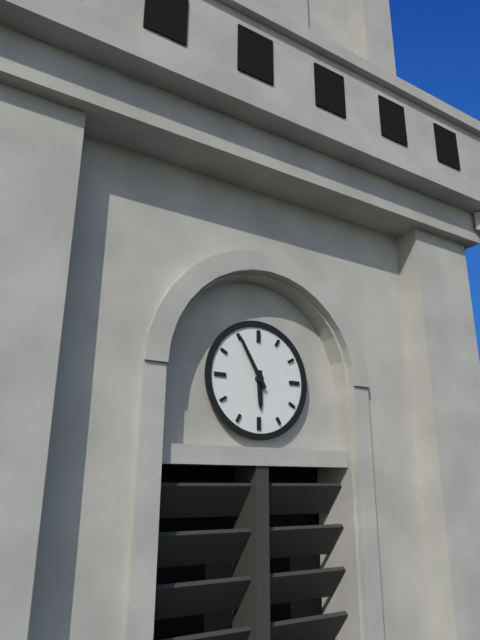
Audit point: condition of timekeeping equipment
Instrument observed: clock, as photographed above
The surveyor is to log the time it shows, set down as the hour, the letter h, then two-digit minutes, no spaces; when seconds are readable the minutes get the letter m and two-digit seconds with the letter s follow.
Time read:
5h55
